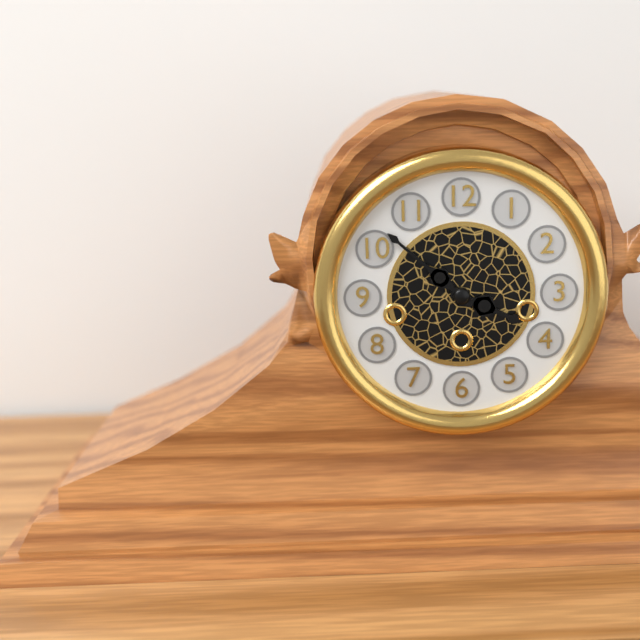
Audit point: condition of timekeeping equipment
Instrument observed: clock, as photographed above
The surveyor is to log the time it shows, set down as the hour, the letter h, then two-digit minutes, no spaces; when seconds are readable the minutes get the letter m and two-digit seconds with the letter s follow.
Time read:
3h52
